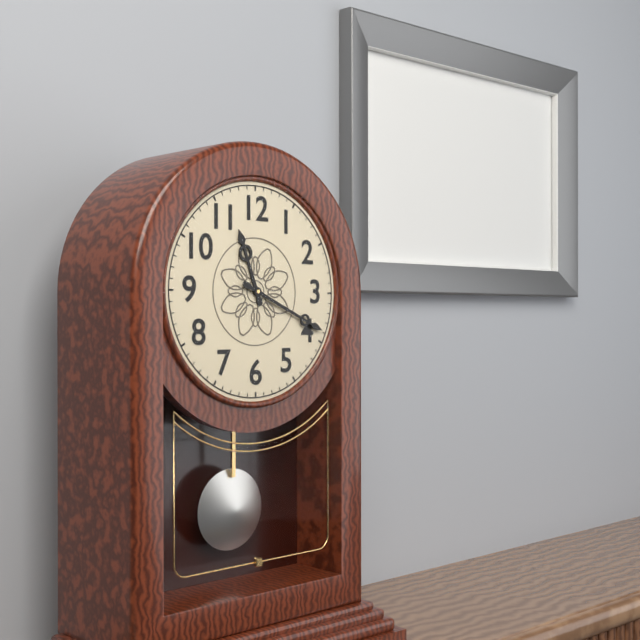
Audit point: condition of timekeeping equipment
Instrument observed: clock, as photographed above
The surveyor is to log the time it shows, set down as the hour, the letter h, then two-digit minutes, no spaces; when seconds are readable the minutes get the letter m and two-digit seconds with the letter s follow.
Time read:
11h19
